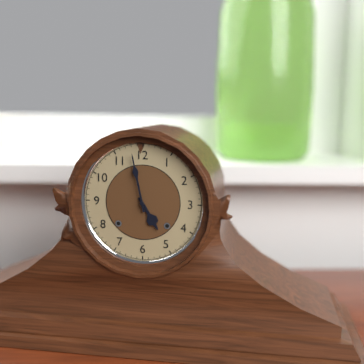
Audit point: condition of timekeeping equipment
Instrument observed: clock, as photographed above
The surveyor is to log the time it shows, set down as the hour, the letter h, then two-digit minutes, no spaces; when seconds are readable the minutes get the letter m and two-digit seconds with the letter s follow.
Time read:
4h58
